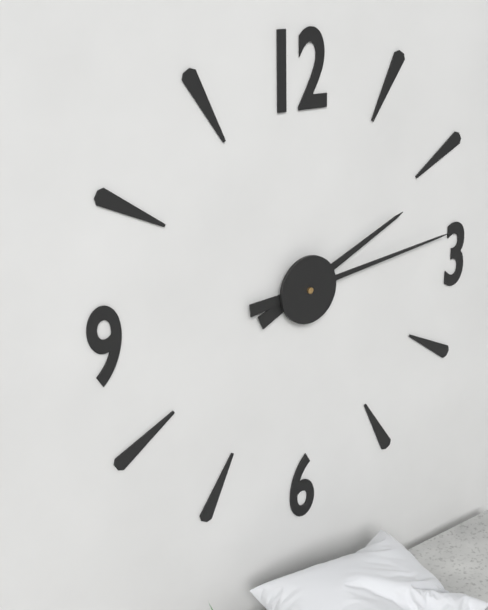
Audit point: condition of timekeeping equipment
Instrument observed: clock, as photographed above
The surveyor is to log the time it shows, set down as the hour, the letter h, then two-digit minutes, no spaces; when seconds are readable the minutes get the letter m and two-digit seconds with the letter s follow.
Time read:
2h14
